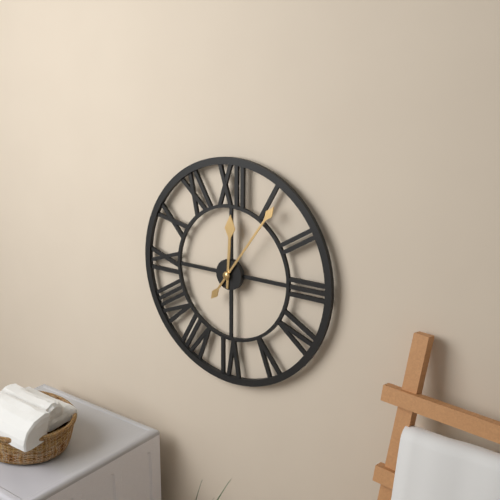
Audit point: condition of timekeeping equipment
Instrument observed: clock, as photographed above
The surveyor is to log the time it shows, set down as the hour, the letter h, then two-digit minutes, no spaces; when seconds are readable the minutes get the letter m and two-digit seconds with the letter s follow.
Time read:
12h06
